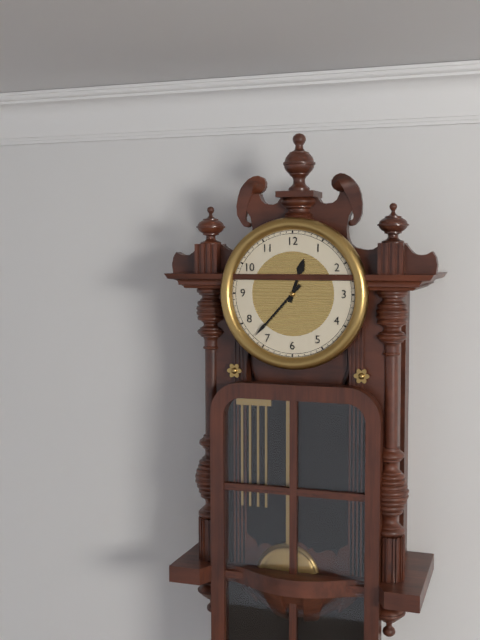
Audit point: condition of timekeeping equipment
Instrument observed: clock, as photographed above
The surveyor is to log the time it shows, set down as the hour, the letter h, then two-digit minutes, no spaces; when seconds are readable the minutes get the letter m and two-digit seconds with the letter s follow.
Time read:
12h37
